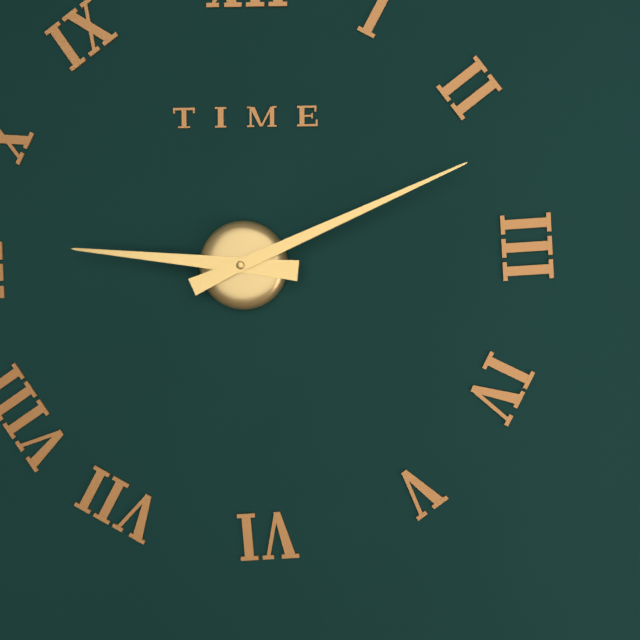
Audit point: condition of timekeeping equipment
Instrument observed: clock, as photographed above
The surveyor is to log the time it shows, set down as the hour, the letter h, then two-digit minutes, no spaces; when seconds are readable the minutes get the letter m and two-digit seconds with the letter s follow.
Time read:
9h11
